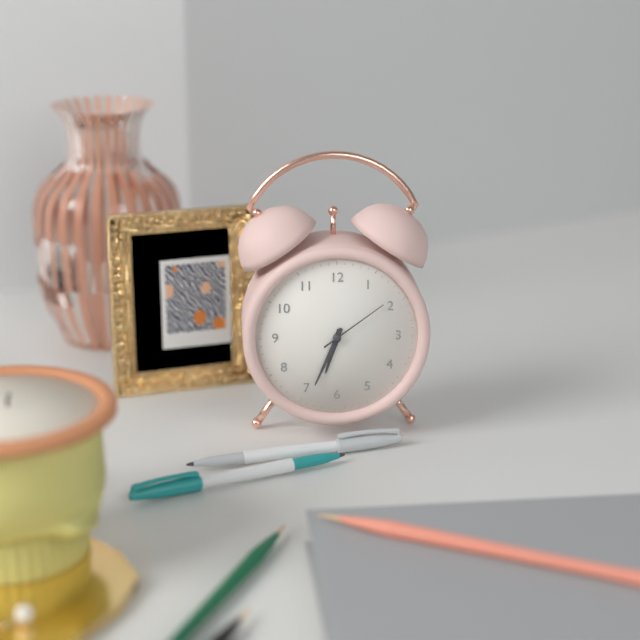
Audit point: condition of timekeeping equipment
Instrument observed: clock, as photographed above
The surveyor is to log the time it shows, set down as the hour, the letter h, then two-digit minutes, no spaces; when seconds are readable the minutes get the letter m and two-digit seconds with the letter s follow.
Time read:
6h34m09s
